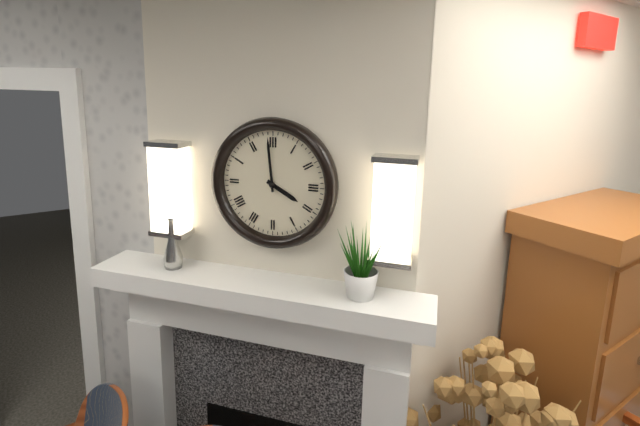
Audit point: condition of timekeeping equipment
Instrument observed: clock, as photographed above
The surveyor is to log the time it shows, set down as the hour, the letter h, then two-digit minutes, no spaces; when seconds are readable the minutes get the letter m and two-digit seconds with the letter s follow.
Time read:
3h59
